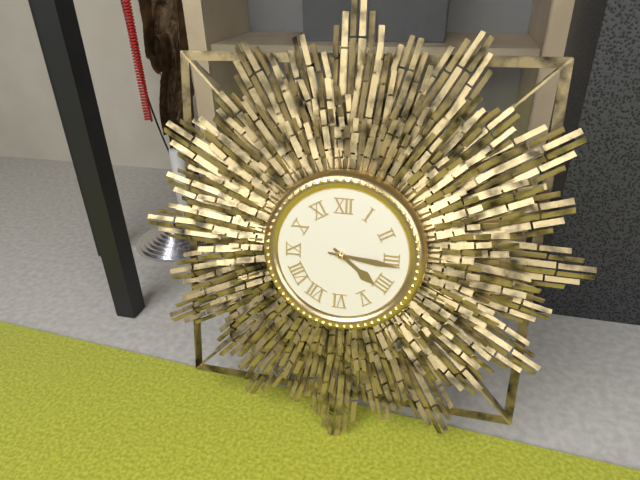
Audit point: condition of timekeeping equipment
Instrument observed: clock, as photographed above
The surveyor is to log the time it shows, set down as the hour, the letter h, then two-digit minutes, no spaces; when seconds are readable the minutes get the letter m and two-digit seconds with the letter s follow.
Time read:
4h16
